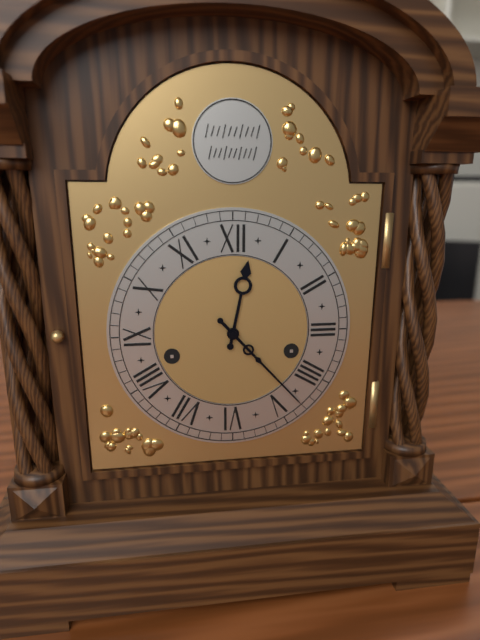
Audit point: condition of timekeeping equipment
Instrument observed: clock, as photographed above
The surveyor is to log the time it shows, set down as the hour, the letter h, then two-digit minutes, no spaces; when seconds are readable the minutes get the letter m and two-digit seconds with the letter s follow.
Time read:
12h23
